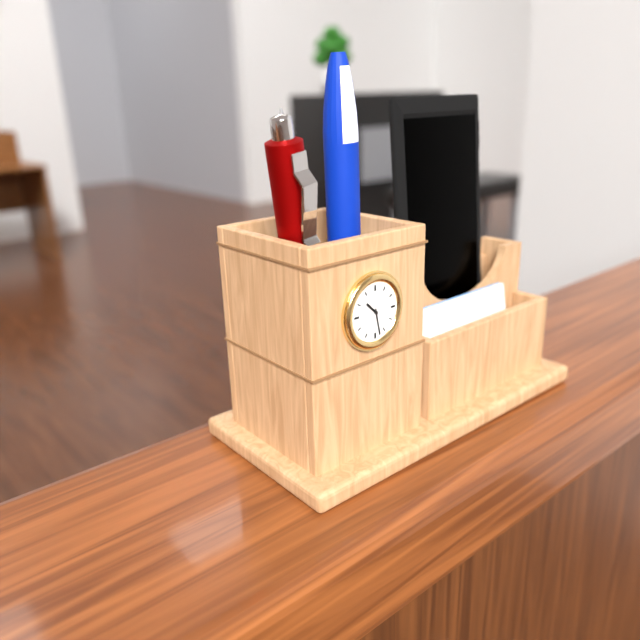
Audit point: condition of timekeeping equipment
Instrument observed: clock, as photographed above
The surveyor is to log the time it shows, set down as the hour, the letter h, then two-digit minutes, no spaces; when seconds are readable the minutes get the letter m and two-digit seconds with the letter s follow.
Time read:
10h28
